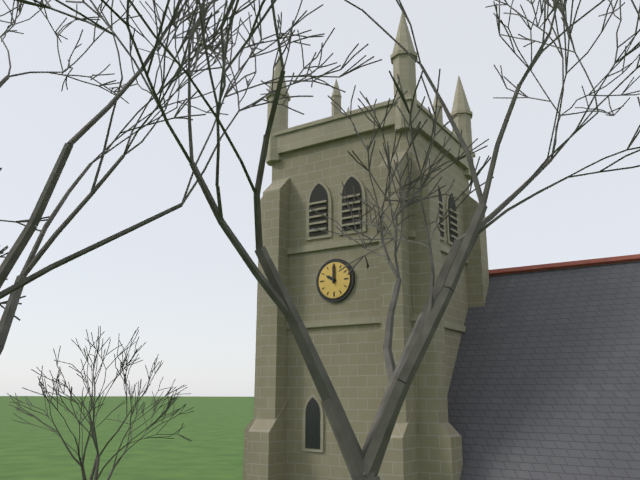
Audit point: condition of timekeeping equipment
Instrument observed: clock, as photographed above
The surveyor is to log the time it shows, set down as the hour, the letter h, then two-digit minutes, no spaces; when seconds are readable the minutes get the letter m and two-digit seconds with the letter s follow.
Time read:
10h00
